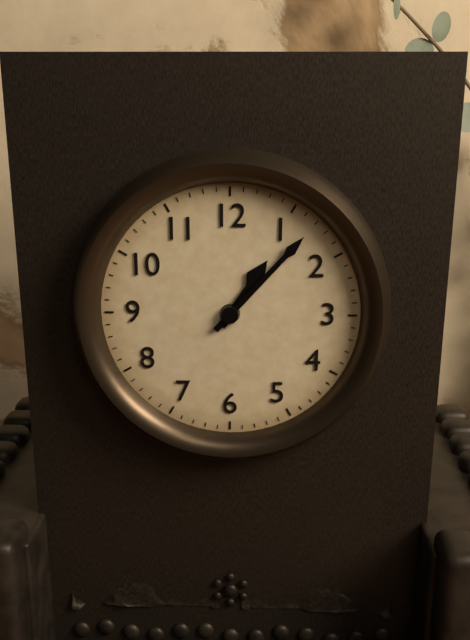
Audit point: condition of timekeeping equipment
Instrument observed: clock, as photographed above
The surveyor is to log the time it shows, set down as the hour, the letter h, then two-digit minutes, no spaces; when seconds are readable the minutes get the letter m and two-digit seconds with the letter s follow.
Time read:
1h07
